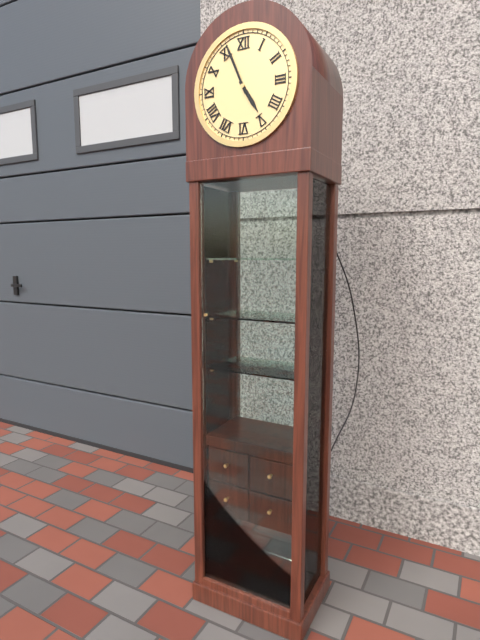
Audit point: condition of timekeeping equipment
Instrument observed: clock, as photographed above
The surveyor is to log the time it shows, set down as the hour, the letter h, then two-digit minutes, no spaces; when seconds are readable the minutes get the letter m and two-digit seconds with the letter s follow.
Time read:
4h56
